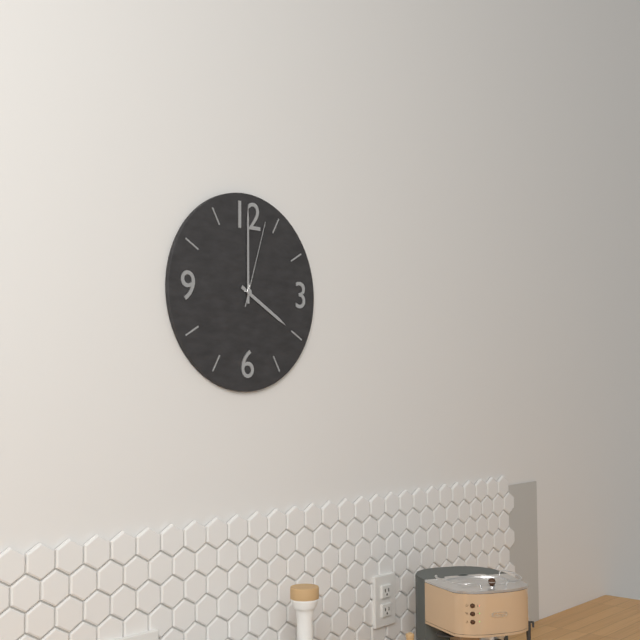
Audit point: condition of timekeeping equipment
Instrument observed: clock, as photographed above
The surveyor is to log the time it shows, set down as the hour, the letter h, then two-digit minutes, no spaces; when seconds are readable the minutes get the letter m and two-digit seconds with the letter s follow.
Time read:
4h00m03s
